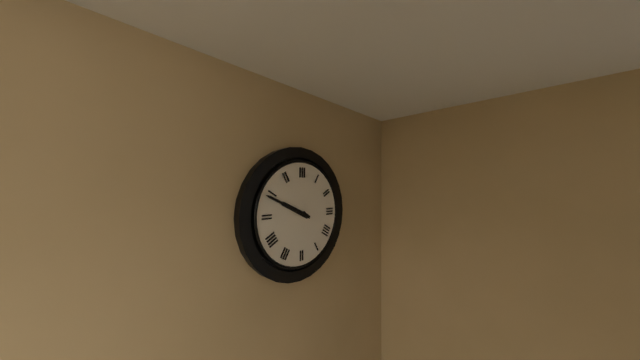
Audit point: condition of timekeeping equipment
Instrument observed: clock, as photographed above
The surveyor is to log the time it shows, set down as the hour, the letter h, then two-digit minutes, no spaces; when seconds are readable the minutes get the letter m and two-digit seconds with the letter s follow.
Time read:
9h49
